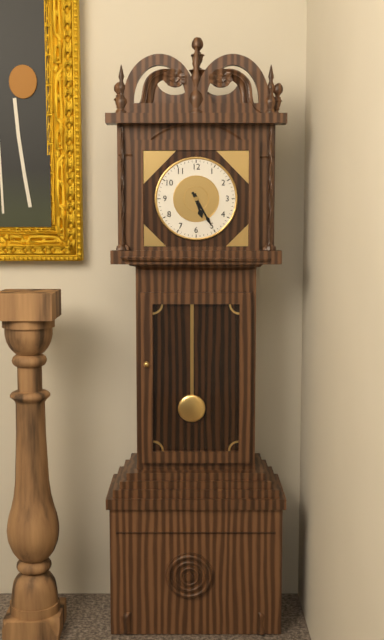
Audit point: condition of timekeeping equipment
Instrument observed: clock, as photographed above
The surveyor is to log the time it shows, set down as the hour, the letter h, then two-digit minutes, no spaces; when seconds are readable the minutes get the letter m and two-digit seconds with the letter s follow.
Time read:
5h25
